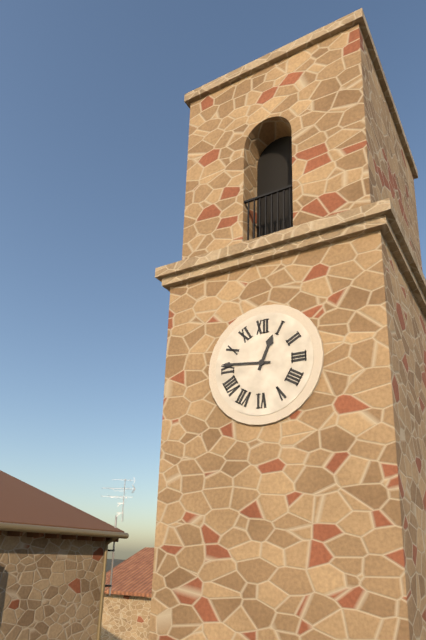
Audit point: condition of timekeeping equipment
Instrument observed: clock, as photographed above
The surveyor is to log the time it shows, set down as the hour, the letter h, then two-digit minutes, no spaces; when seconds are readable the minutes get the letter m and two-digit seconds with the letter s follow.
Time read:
12h46
